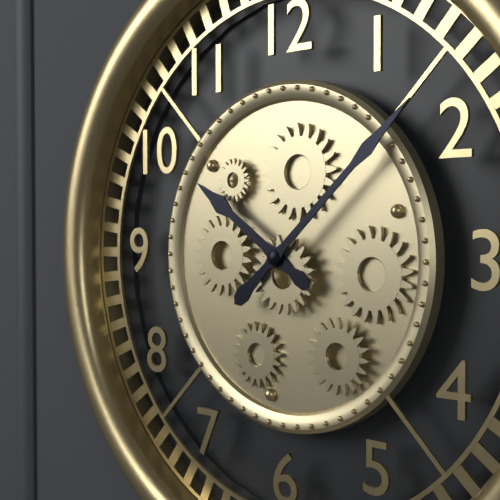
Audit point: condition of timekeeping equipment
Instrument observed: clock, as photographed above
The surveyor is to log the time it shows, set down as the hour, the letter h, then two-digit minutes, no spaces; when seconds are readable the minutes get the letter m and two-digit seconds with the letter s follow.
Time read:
10h08
